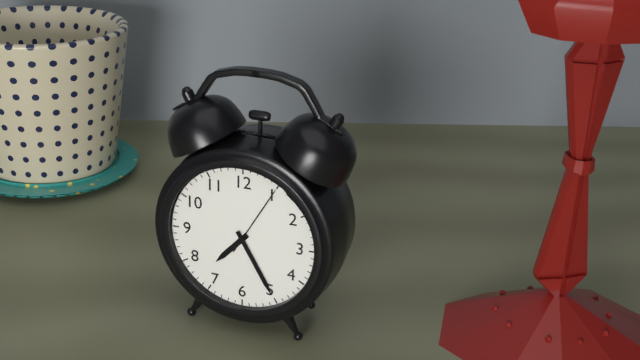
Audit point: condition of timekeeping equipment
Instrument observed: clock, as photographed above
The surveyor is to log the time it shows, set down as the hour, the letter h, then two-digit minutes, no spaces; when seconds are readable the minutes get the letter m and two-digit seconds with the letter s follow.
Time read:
7h25m05s
